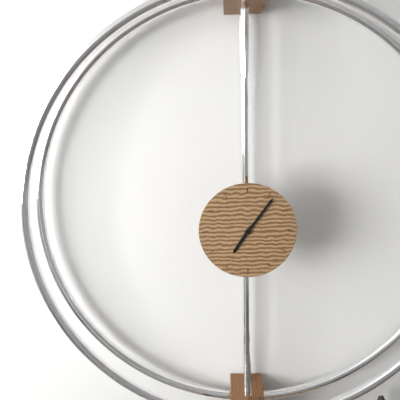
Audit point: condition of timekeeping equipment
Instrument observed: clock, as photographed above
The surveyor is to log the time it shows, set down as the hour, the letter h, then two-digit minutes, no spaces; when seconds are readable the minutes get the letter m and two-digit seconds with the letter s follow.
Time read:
7h06
